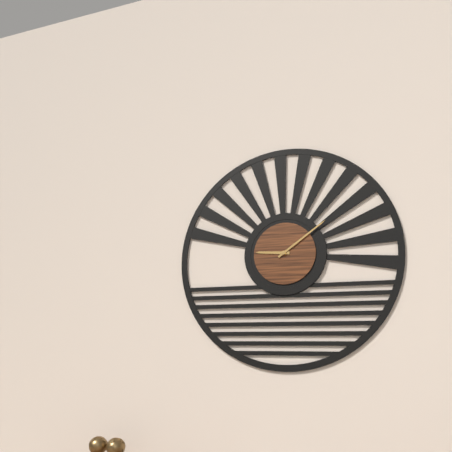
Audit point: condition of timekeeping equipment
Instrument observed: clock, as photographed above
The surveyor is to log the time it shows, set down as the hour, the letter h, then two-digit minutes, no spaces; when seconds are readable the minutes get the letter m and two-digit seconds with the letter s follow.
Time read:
9h09
